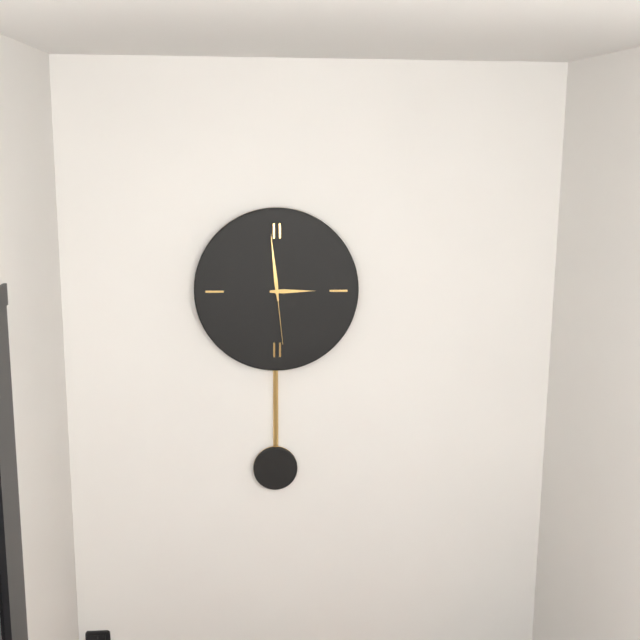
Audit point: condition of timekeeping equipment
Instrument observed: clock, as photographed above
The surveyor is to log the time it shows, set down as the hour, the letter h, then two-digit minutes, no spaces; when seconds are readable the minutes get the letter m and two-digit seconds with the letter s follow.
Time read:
2h59m29s
